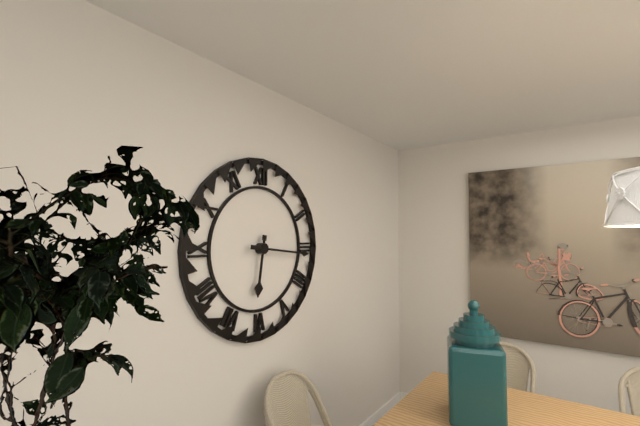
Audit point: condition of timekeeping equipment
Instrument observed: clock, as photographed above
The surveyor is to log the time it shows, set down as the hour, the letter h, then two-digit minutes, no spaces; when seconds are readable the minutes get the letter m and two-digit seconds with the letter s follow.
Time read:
6h16
